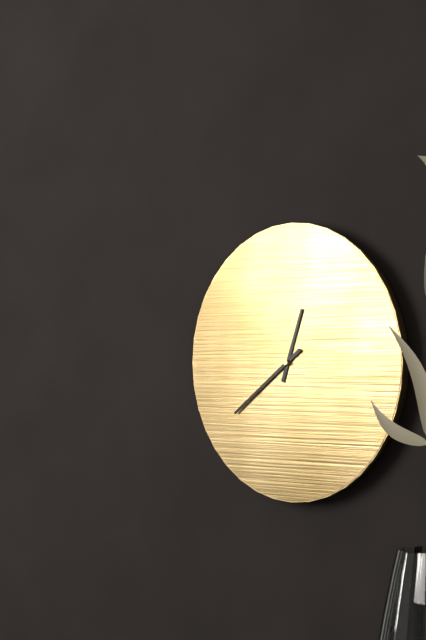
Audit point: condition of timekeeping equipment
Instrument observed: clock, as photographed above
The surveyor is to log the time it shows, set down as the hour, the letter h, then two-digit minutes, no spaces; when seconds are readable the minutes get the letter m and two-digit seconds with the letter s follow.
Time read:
12h39
